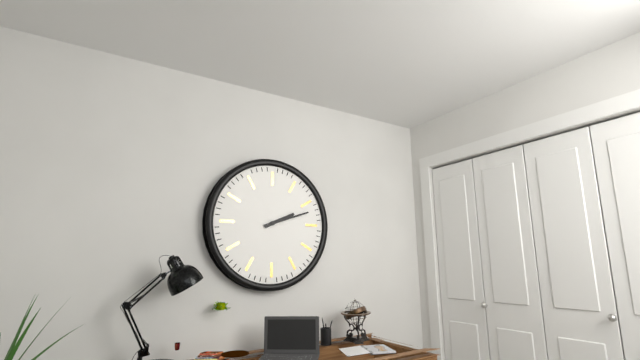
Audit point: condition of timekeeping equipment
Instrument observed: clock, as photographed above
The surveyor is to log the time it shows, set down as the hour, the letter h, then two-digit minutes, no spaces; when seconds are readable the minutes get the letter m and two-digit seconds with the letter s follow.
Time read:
2h12
